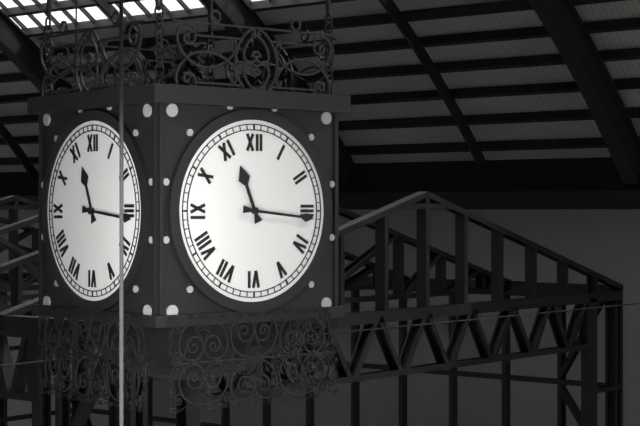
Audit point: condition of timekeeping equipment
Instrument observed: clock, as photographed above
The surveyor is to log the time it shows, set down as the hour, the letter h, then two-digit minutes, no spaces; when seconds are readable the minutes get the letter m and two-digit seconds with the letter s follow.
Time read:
11h16
